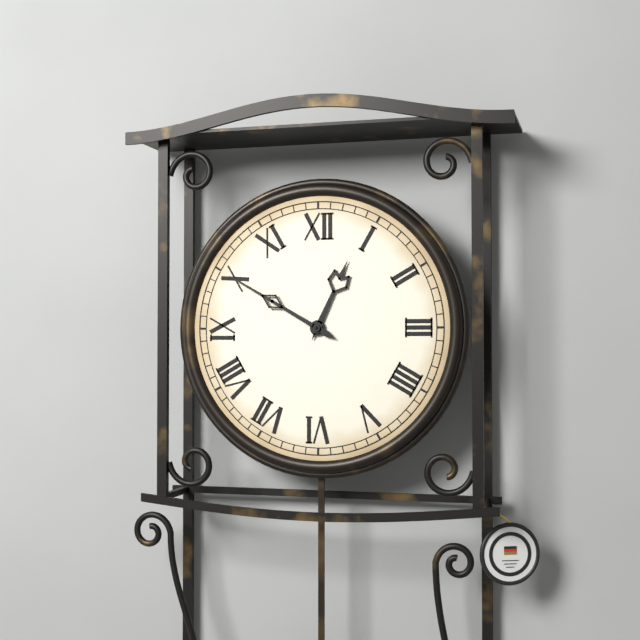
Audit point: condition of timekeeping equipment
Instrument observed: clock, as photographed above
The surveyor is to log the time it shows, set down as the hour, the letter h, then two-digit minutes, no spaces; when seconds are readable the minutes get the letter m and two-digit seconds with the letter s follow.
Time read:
12h50
